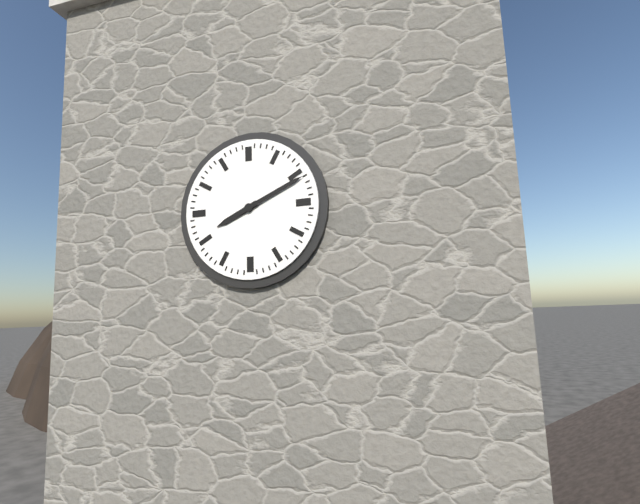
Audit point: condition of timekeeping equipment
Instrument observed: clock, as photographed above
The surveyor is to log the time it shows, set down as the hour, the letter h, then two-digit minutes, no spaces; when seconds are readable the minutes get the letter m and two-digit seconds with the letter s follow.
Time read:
8h11
